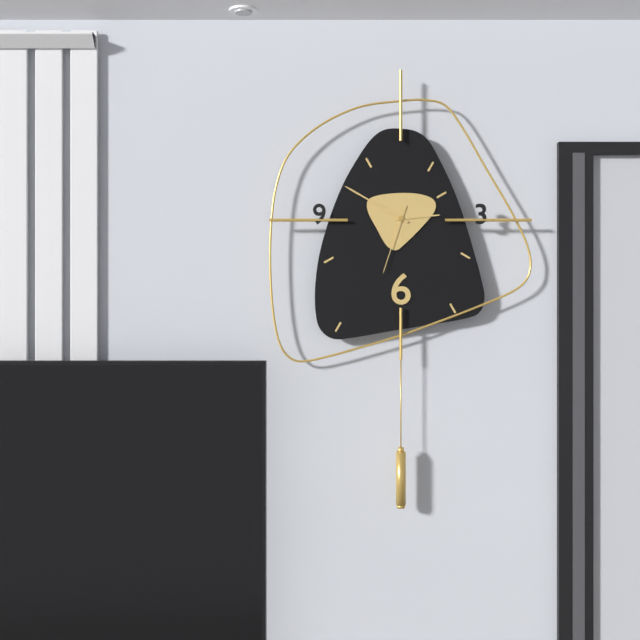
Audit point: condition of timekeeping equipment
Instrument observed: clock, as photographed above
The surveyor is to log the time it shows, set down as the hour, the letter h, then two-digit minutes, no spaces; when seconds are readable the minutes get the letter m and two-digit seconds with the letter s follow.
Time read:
2h50m33s
